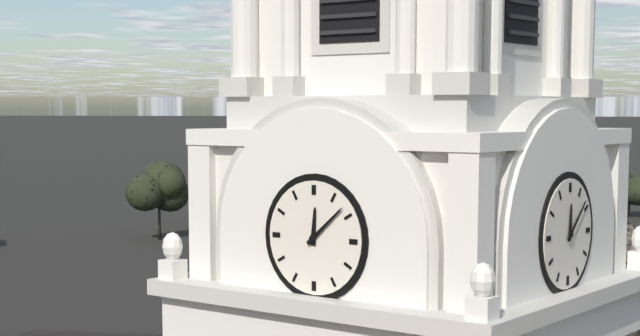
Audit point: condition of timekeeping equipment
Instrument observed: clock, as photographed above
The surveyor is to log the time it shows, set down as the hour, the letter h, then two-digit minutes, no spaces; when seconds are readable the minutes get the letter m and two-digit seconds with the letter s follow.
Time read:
12h08
